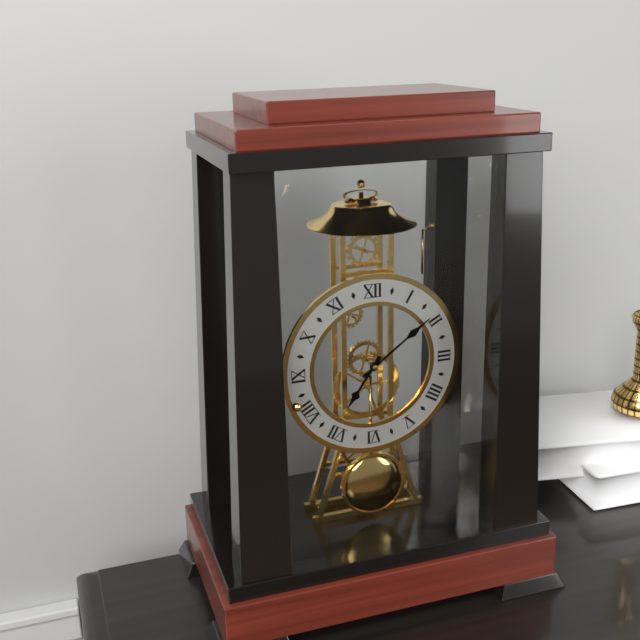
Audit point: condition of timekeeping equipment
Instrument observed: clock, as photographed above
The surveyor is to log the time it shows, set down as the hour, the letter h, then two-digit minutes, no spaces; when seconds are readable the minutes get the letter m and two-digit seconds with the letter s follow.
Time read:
7h09
